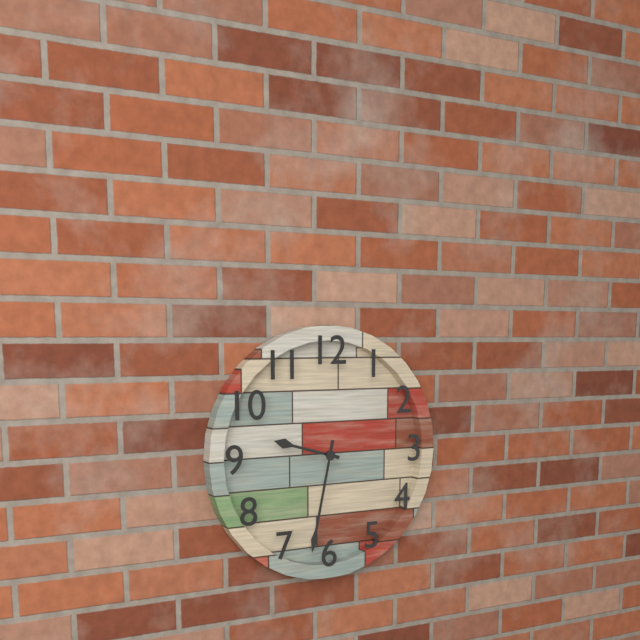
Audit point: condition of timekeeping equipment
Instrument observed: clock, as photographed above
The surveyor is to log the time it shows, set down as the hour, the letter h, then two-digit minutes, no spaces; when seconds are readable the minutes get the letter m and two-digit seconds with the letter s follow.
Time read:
9h32
